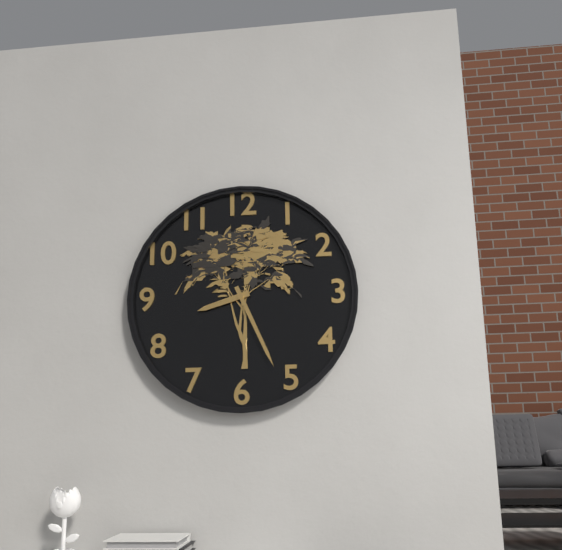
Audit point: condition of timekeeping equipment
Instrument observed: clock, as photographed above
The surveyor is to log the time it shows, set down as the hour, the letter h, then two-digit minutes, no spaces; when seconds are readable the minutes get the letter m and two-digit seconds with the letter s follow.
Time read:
8h26
